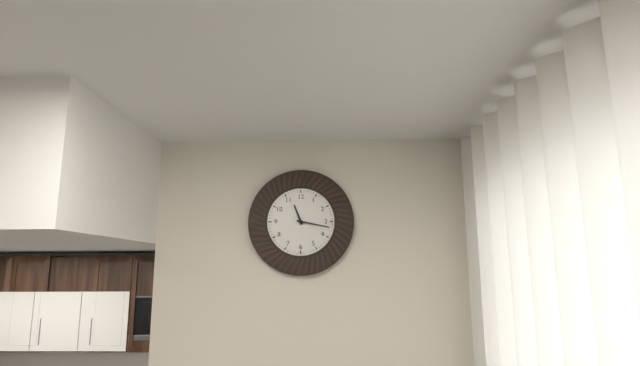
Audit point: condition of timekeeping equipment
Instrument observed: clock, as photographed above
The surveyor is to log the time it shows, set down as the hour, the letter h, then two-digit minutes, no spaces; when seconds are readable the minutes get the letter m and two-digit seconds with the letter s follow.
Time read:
11h17
